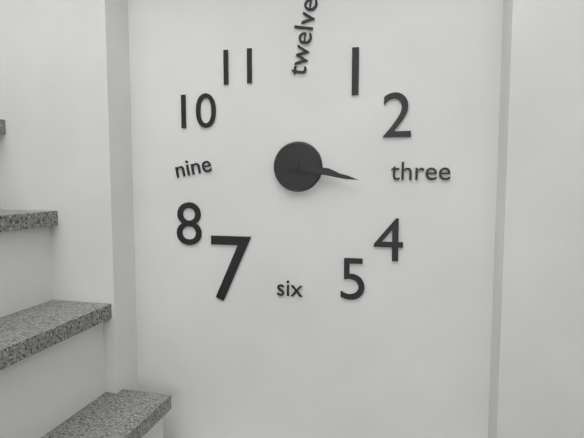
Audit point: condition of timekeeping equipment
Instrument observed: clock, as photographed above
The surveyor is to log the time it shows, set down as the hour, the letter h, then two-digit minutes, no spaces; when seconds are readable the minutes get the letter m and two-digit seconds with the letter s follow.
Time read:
3h17
